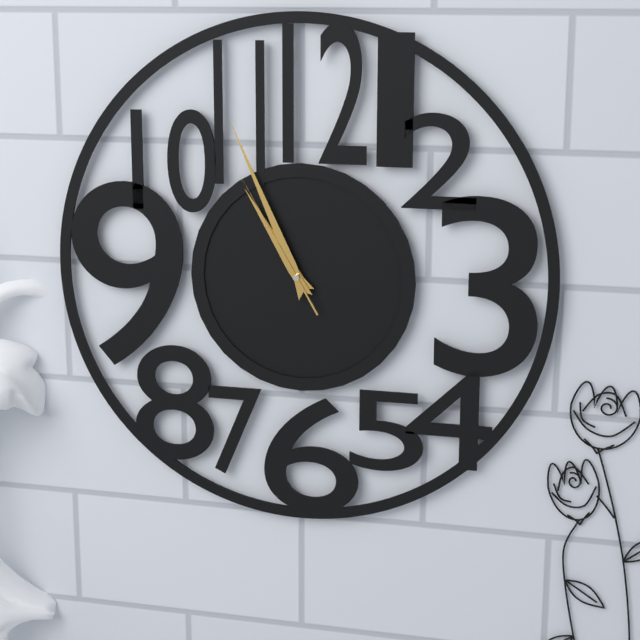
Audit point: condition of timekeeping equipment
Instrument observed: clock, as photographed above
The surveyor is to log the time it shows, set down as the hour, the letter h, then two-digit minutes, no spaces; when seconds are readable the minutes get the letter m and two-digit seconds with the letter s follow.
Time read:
10h56m55s
